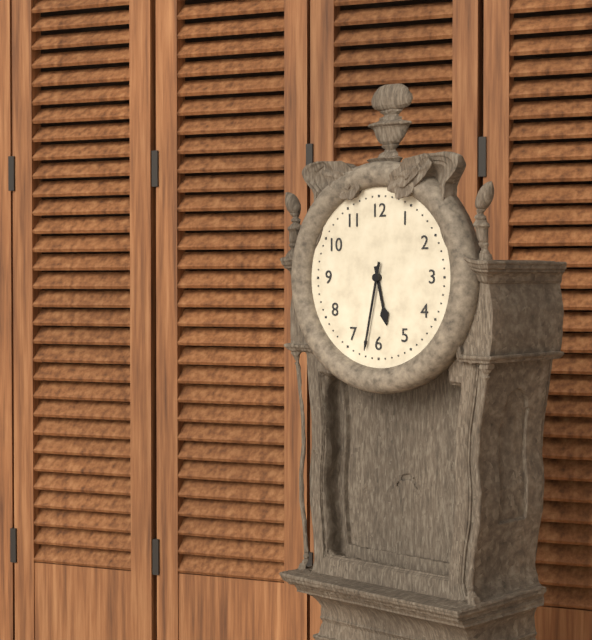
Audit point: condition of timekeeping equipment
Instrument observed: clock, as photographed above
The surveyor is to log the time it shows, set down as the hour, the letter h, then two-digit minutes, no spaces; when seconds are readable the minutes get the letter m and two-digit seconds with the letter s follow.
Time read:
5h32
